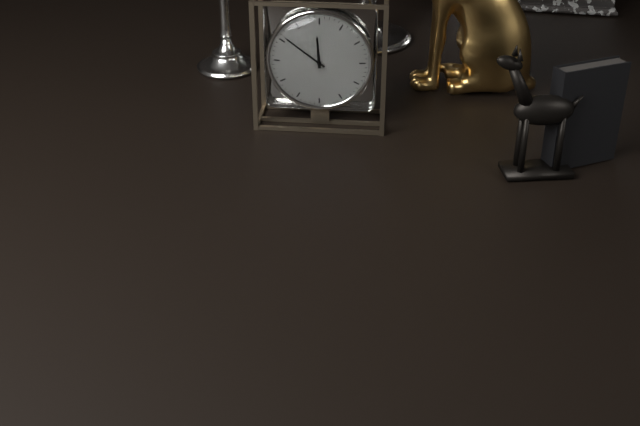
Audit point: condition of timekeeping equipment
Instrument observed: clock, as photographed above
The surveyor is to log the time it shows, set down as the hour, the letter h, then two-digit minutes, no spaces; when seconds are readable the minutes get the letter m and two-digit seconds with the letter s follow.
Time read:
11h51
